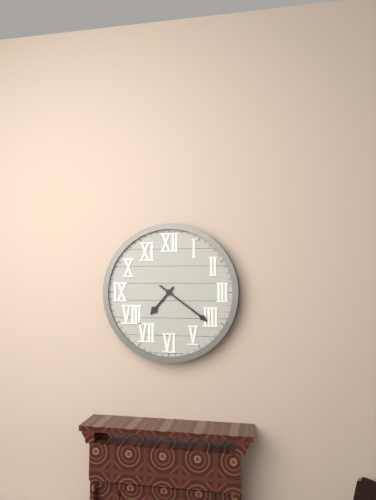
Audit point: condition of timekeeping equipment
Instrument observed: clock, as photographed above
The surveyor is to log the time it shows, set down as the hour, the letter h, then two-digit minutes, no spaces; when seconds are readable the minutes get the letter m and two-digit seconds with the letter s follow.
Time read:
7h21
